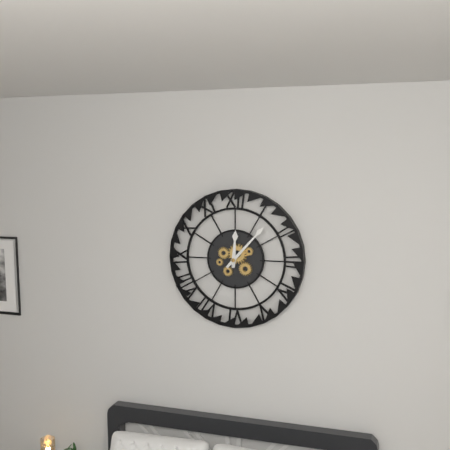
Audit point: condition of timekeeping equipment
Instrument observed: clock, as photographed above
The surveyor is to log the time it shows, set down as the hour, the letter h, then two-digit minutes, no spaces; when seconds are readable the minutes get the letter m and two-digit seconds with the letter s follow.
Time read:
12h07
